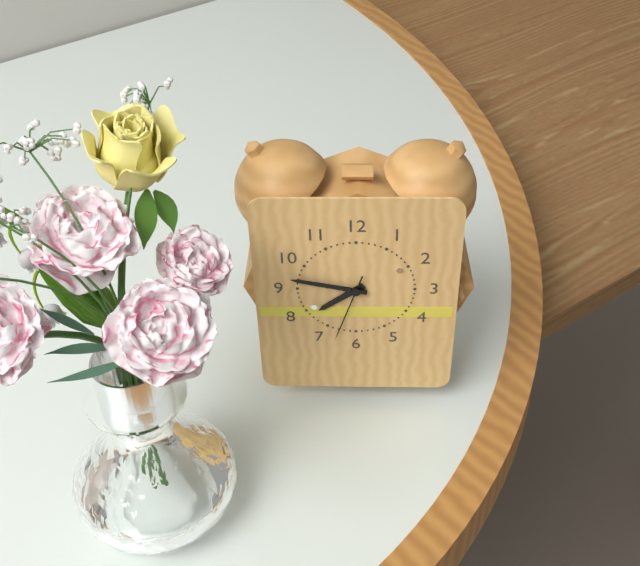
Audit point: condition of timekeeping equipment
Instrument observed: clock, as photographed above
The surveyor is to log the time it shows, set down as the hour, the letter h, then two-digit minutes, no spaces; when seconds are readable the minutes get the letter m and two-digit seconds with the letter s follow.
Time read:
7h47m33s
